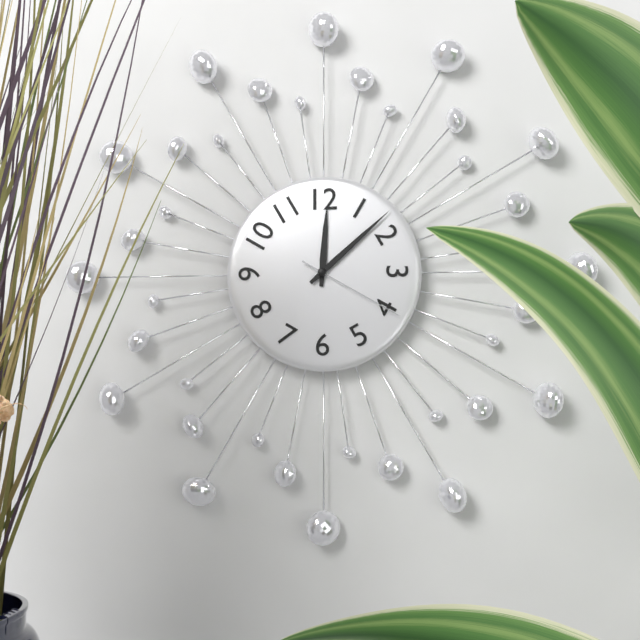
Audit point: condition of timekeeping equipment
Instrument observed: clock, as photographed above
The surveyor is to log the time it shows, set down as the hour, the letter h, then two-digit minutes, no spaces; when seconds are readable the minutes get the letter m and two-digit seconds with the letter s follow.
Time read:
12h08m20s
